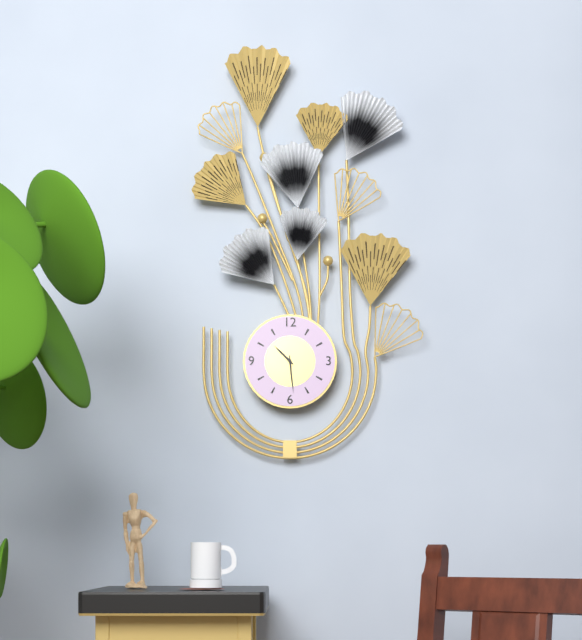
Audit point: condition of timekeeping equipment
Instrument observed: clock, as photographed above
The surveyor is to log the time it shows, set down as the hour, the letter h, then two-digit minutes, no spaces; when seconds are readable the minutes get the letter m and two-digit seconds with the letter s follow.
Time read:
10h29
